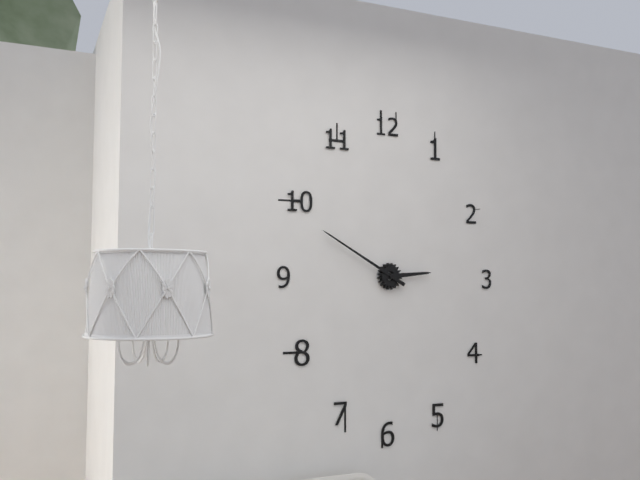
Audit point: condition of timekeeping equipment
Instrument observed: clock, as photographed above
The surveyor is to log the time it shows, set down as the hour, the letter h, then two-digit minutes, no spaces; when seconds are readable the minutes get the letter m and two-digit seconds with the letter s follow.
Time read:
2h50
